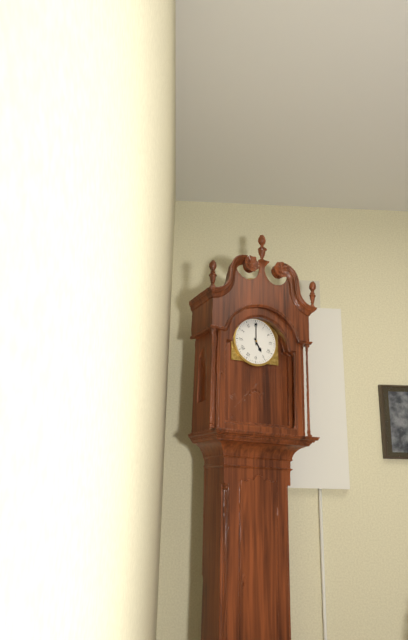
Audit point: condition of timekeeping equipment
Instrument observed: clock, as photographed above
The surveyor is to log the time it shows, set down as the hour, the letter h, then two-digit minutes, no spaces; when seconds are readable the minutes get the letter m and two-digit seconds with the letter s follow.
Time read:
5h00
